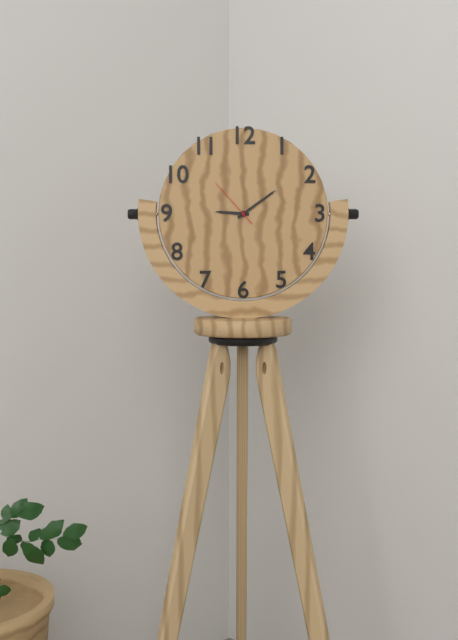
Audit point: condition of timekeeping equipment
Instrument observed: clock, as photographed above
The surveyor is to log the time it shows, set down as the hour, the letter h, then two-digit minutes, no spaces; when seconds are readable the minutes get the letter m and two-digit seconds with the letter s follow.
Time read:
9h09m53s
